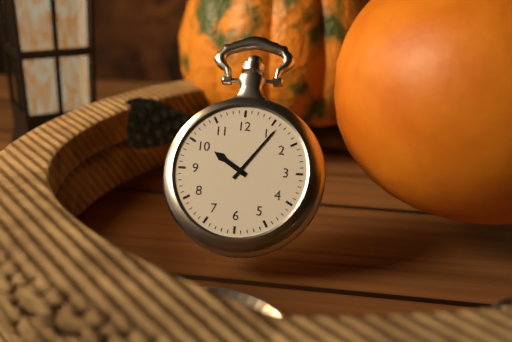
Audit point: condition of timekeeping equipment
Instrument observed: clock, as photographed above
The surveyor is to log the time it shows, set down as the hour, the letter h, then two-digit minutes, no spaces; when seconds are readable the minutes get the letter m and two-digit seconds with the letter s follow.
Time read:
10h06
